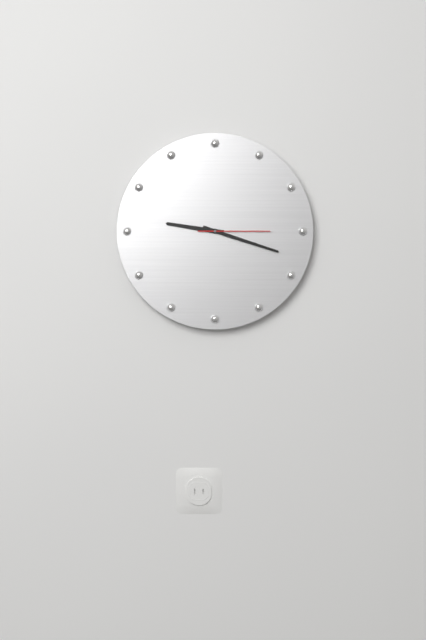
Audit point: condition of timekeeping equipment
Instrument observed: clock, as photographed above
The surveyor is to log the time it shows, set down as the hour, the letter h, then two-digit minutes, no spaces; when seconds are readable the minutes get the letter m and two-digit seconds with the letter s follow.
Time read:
9h18m15s
